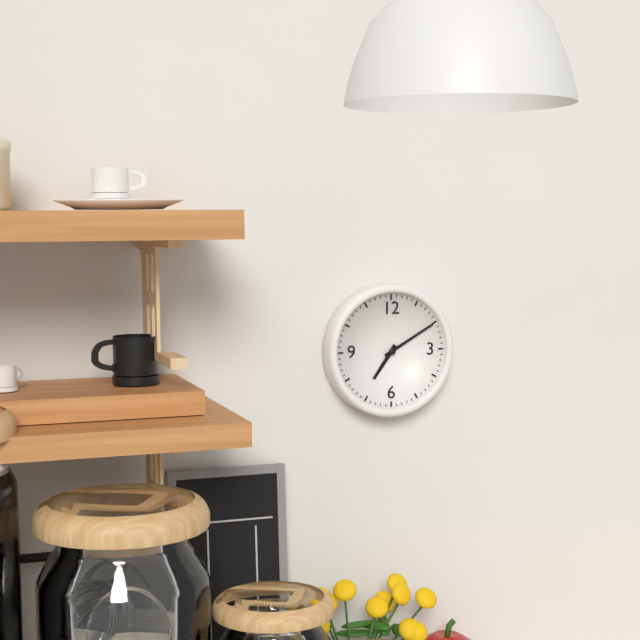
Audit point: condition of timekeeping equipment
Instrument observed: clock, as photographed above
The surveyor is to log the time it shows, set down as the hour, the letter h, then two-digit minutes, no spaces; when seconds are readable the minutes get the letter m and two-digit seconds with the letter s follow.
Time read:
7h10
